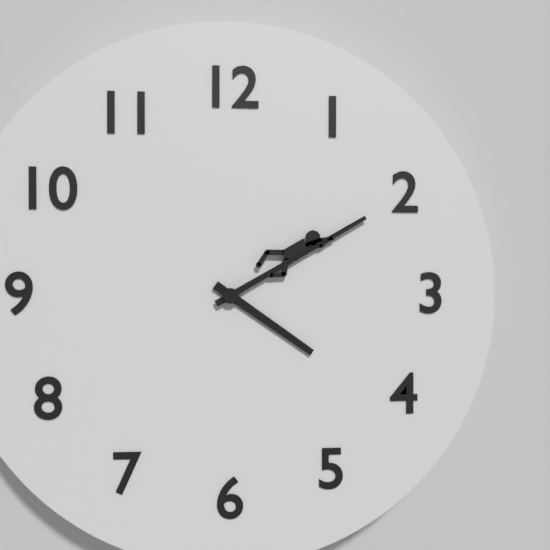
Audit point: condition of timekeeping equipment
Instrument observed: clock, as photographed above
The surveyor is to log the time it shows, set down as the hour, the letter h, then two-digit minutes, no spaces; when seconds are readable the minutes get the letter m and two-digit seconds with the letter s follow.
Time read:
4h10
